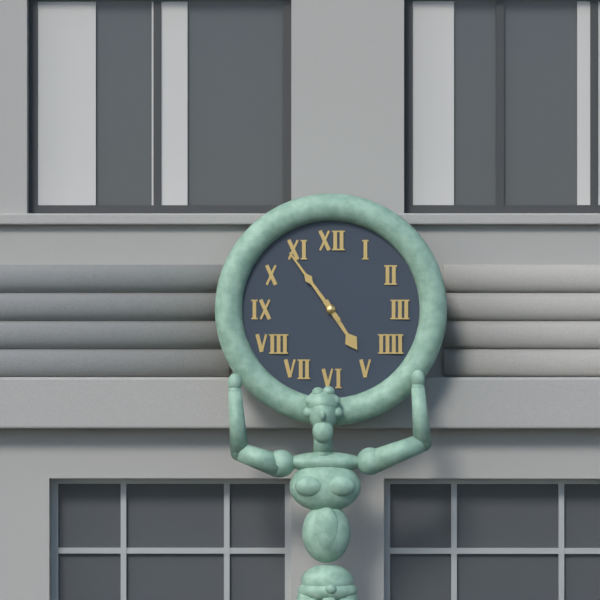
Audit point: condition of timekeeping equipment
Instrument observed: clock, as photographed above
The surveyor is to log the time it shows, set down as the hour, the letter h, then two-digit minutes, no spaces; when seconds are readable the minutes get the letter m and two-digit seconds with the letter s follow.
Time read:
4h54
